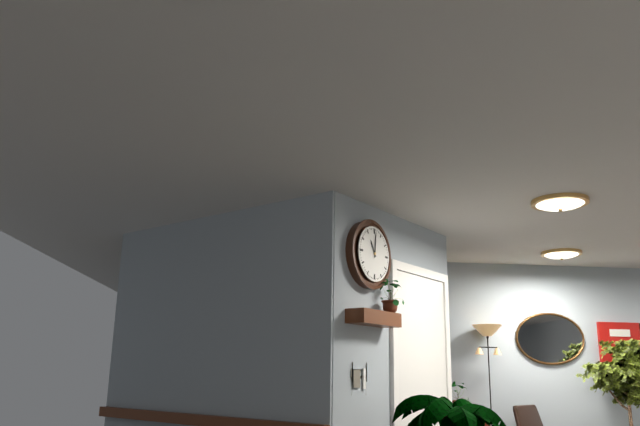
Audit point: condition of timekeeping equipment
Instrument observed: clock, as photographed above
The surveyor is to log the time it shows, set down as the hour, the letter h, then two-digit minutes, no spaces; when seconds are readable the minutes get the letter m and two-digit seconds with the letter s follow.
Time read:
11h01
